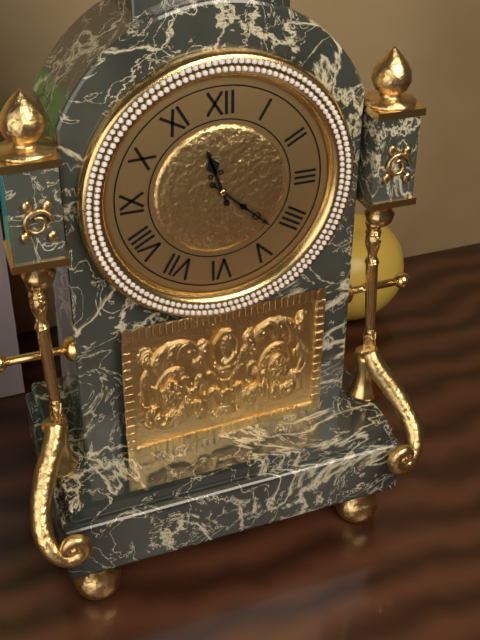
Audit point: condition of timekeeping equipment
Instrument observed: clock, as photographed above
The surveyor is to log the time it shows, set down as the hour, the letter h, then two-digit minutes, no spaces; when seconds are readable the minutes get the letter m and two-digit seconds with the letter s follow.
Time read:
11h22
